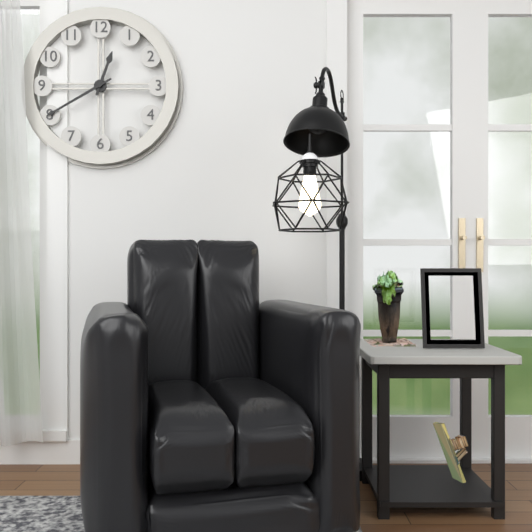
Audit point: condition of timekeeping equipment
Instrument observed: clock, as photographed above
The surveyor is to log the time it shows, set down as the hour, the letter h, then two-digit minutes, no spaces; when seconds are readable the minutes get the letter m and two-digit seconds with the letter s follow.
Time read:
12h40
